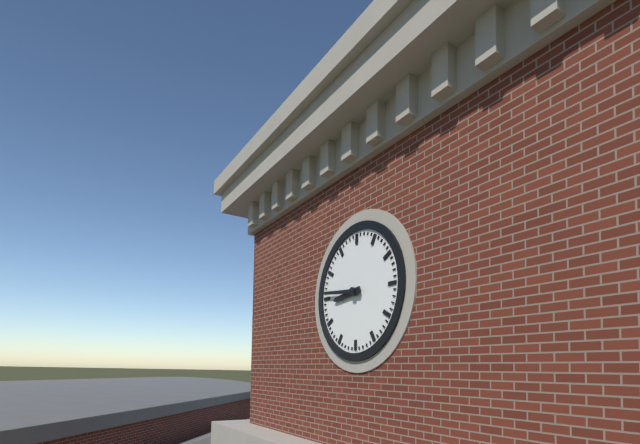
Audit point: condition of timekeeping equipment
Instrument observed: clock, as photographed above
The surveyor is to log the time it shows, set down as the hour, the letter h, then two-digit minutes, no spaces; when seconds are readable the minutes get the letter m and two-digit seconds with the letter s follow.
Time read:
8h46
